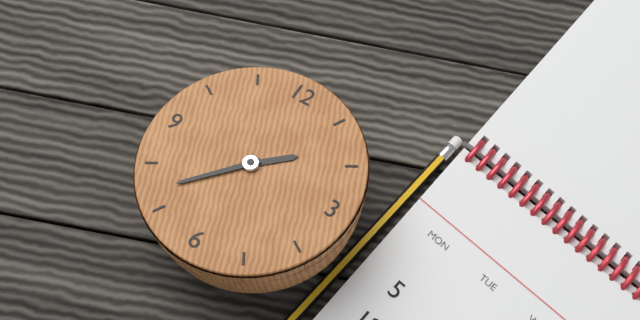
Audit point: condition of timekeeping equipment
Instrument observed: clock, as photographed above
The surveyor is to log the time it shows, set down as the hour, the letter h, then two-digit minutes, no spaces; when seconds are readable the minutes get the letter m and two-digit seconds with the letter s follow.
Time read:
1h37
